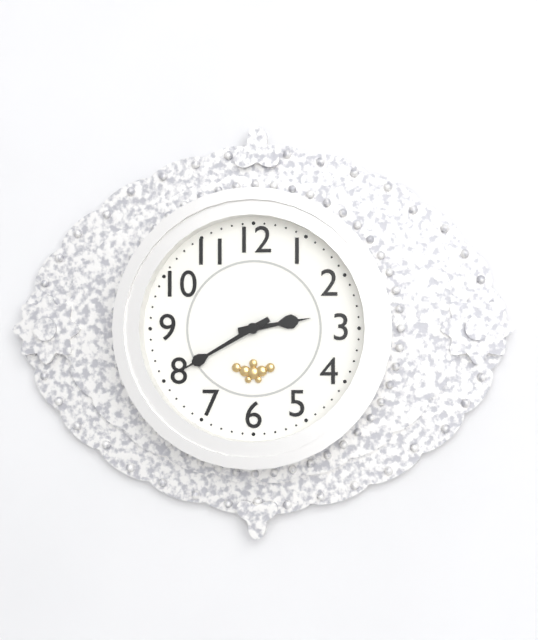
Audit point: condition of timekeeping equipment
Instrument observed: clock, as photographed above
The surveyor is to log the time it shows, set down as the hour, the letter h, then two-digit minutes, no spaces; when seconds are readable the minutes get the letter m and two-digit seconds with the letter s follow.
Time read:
2h40
